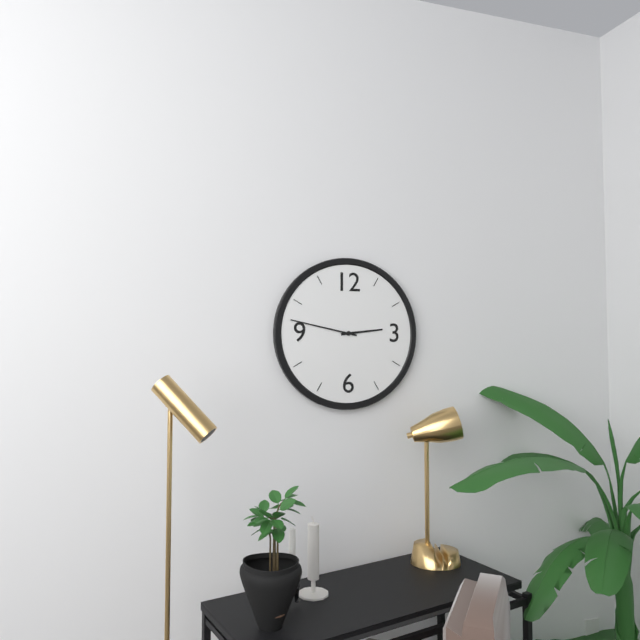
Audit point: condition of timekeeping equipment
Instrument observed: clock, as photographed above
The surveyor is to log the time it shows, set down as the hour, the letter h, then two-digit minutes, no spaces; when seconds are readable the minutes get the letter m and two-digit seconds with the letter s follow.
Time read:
2h47
